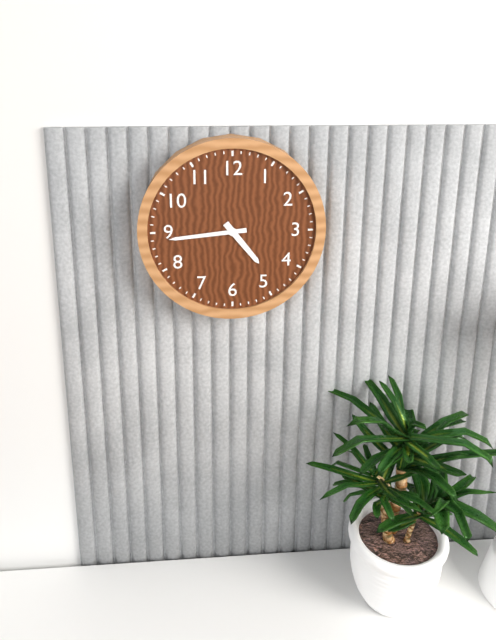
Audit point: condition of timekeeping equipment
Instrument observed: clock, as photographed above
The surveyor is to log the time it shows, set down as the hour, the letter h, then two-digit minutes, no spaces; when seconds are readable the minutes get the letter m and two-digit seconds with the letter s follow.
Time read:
4h44
